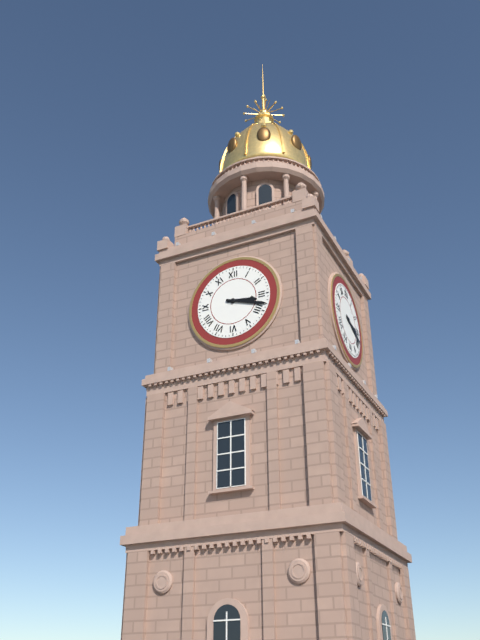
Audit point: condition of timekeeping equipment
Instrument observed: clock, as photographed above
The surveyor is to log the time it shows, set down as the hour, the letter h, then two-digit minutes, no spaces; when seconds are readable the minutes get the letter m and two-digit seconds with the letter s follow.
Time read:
3h18
